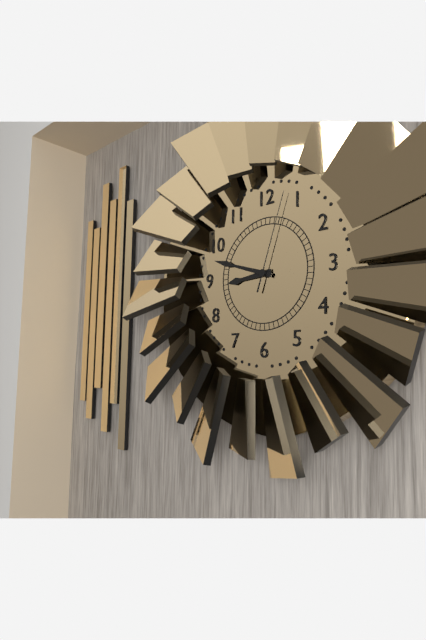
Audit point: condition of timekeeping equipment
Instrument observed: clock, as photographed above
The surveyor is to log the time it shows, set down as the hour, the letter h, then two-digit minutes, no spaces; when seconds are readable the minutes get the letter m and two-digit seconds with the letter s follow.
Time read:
8h48m03s
